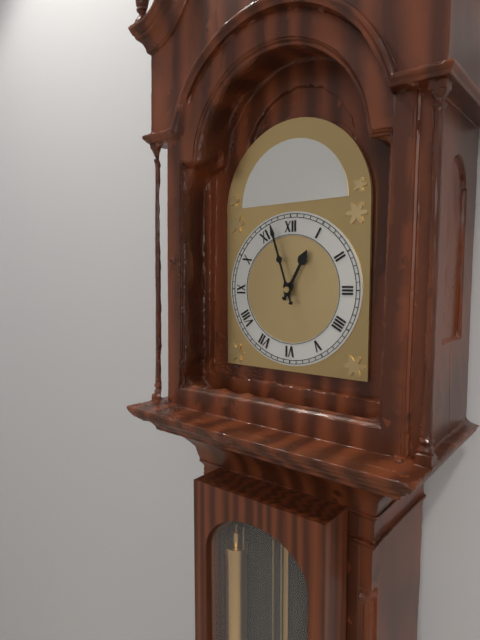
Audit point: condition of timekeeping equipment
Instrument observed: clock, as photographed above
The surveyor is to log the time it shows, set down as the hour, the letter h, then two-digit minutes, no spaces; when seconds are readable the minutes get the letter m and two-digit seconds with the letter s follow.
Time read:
12h57
